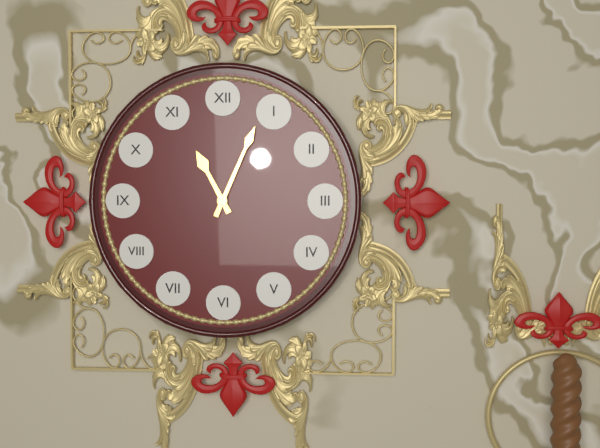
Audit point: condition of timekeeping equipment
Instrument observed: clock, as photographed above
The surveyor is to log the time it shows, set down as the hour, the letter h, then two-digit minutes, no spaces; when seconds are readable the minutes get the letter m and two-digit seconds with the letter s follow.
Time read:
11h04
